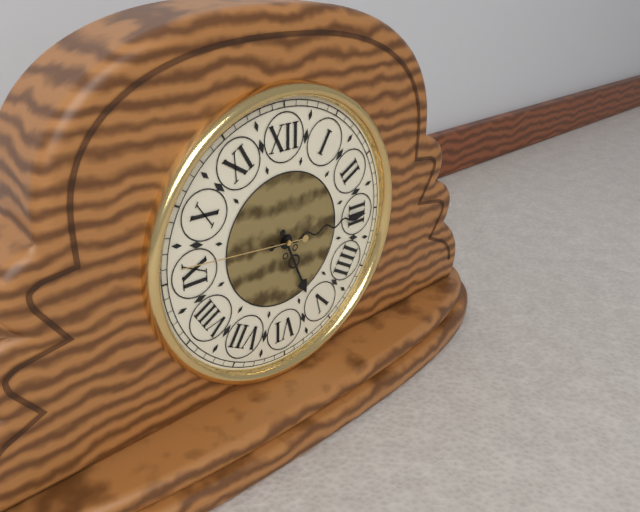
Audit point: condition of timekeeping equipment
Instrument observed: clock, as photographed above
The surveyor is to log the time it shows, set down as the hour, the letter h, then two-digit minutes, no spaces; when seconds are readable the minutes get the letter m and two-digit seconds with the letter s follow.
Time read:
5h15m46s
